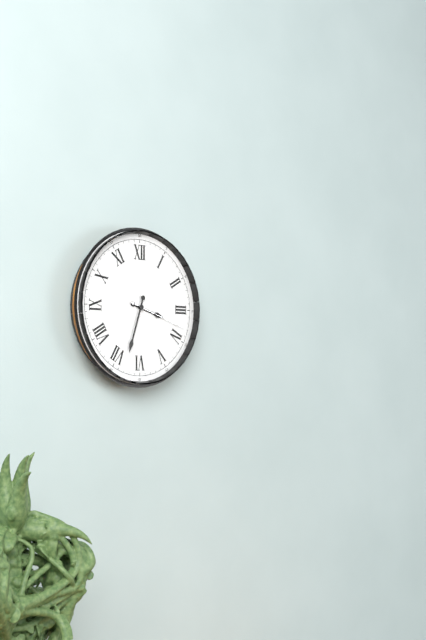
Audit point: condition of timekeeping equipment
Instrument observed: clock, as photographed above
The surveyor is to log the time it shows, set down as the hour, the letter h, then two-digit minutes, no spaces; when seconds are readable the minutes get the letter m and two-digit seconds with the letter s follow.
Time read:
3h33m18s
